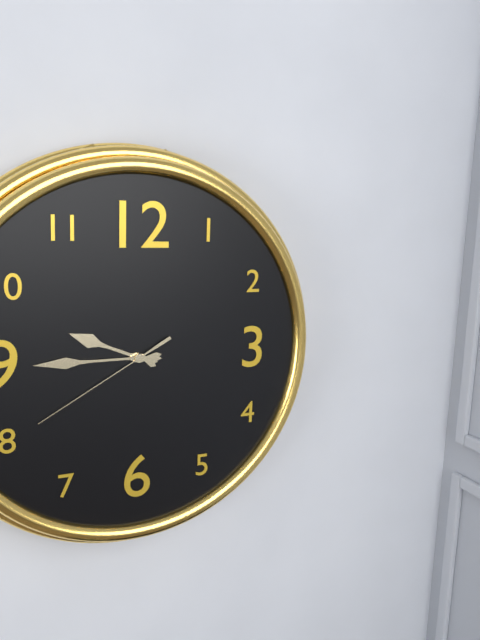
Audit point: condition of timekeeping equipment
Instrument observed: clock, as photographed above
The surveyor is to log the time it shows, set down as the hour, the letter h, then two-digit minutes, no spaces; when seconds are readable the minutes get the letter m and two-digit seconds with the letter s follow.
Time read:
9h45m40s
